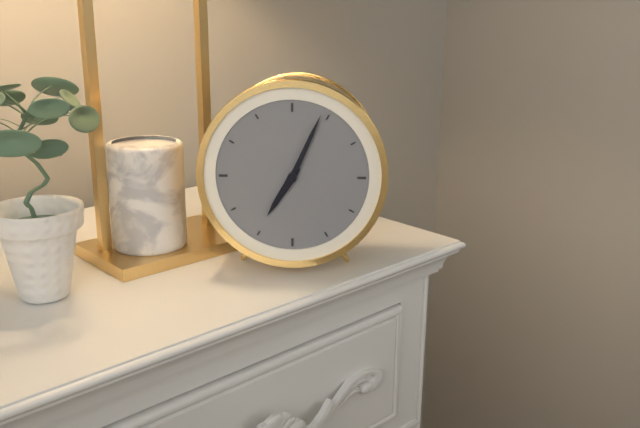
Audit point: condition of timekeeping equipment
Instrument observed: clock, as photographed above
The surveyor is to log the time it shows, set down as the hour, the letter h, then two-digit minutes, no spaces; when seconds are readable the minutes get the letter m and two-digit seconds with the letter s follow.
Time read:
7h04
